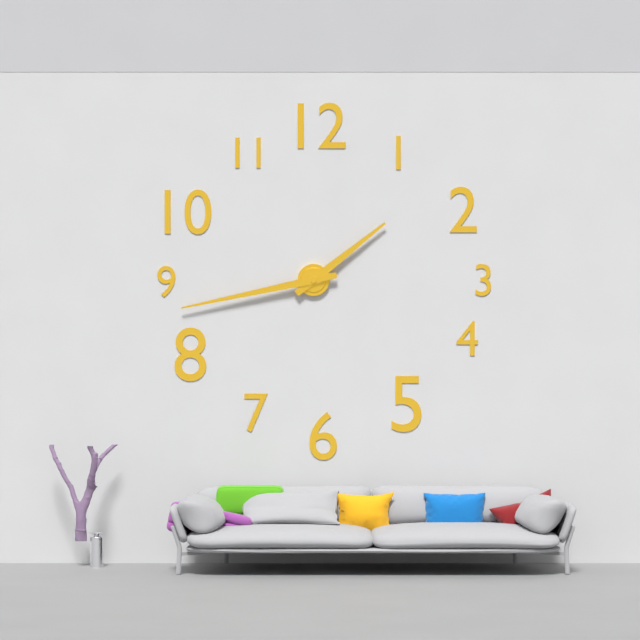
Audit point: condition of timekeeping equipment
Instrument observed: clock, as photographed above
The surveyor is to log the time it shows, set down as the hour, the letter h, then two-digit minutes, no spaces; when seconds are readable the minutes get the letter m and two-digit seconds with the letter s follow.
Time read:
1h43
